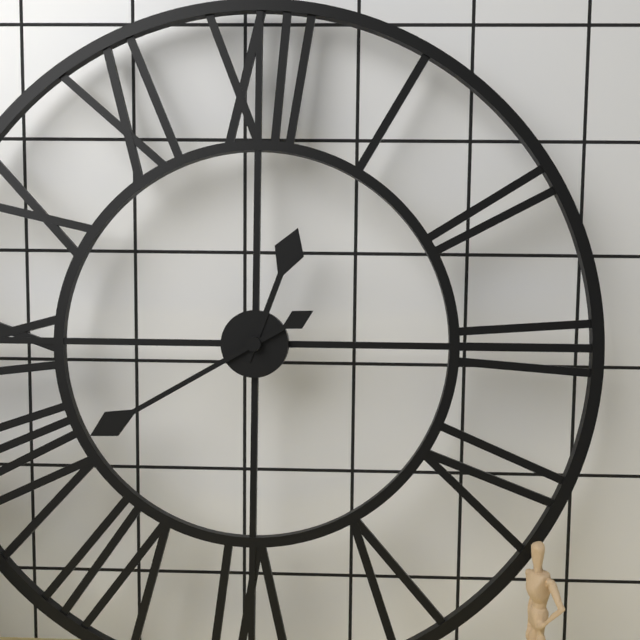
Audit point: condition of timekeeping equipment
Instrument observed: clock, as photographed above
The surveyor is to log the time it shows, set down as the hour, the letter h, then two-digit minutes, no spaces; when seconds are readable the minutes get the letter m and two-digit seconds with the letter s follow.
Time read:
12h40
